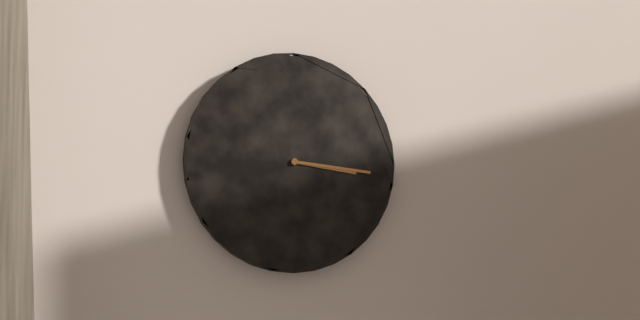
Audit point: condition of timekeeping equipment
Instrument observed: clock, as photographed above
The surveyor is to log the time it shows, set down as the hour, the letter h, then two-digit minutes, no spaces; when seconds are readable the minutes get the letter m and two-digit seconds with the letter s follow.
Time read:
3h16
